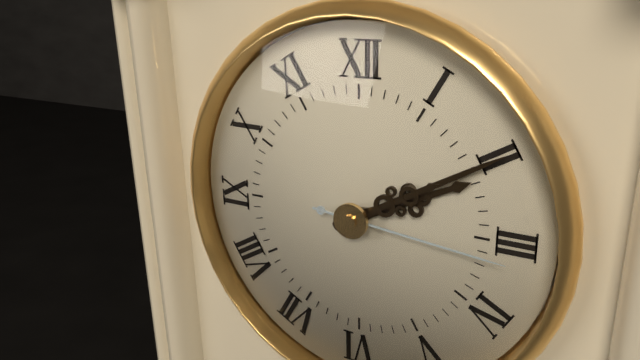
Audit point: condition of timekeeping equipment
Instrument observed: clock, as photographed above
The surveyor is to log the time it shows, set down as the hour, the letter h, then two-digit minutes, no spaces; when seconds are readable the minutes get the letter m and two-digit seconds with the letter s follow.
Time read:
2h10m16s
